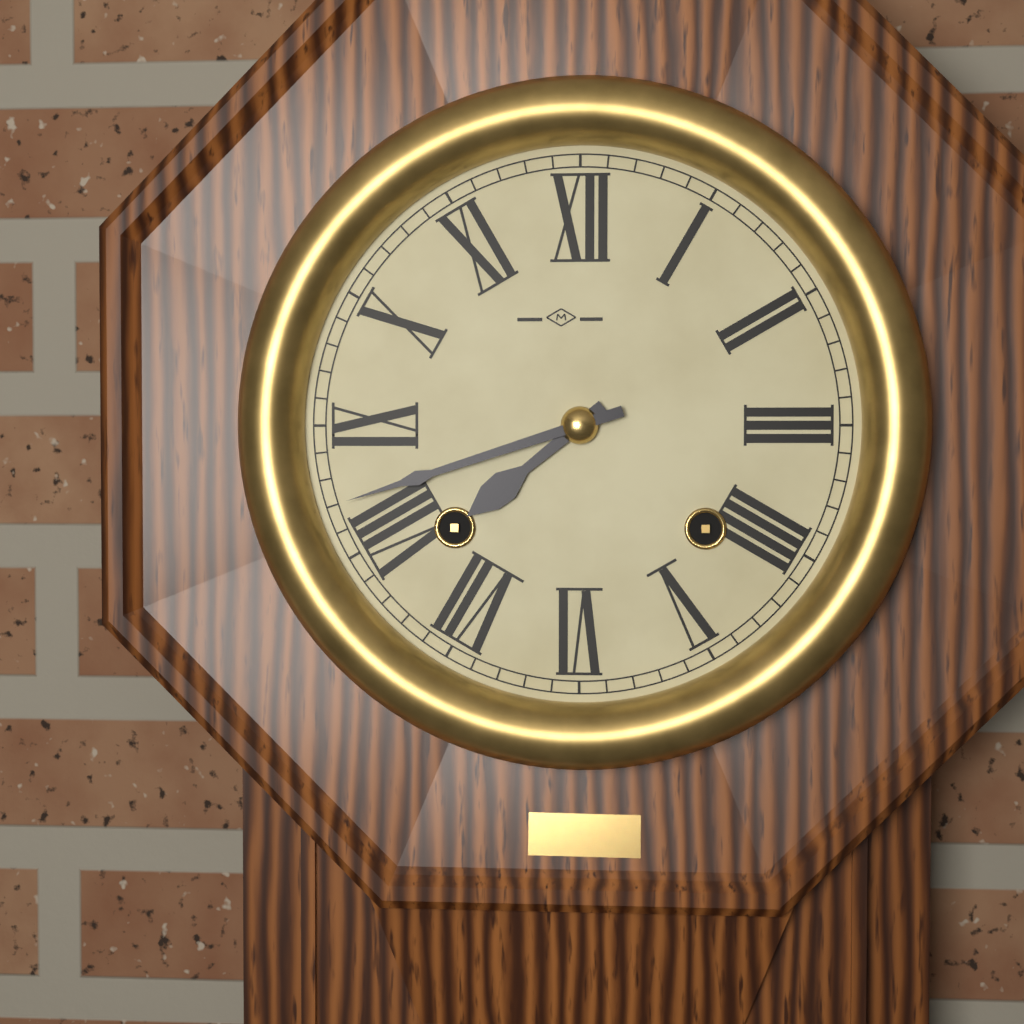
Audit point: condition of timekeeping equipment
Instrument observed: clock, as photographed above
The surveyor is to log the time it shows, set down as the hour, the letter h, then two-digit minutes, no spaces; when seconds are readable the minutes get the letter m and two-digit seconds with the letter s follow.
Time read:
7h42
